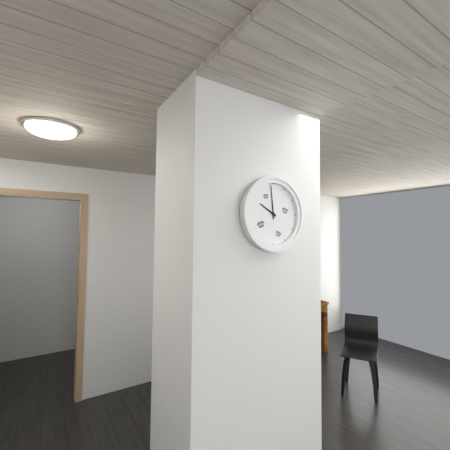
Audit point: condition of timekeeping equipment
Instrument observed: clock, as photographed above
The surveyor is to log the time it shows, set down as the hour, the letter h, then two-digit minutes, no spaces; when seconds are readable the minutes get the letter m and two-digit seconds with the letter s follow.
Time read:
9h59
